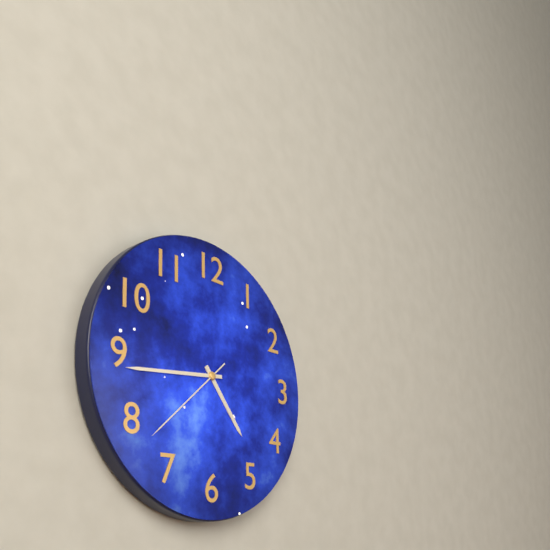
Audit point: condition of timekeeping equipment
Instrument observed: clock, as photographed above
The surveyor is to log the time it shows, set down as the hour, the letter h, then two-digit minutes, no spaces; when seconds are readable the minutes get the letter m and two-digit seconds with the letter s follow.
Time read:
4h44m38s
